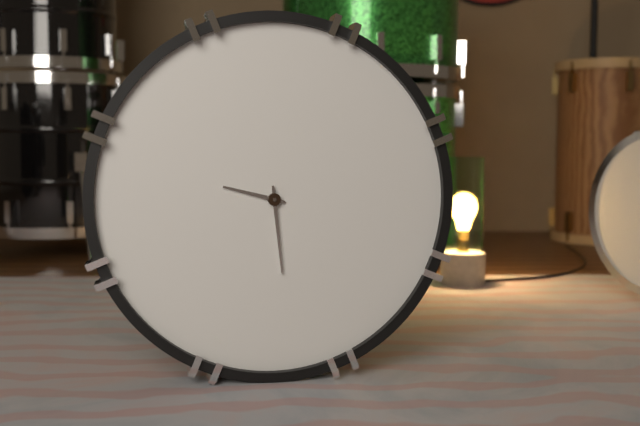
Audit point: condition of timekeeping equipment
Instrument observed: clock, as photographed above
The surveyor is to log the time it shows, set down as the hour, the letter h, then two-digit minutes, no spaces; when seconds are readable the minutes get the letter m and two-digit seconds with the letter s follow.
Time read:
9h29
